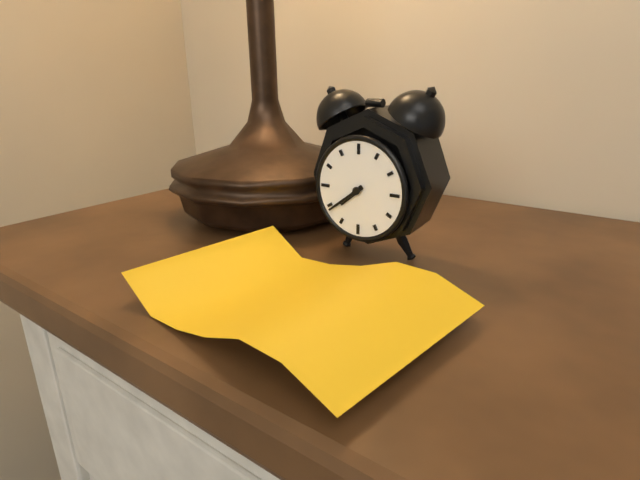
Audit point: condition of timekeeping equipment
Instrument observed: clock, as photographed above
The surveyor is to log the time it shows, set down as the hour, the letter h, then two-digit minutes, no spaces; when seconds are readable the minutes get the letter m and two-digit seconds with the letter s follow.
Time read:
7h39
